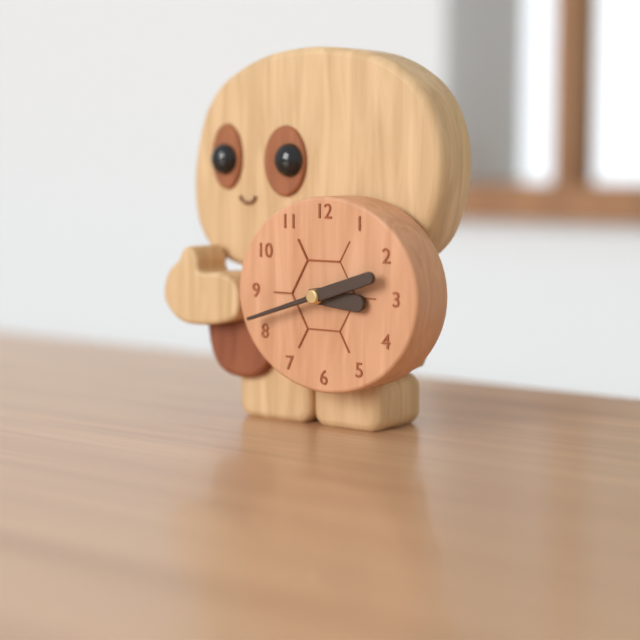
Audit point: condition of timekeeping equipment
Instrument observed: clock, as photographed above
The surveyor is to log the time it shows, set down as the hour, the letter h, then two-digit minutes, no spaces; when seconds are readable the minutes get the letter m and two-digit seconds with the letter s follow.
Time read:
3h12
